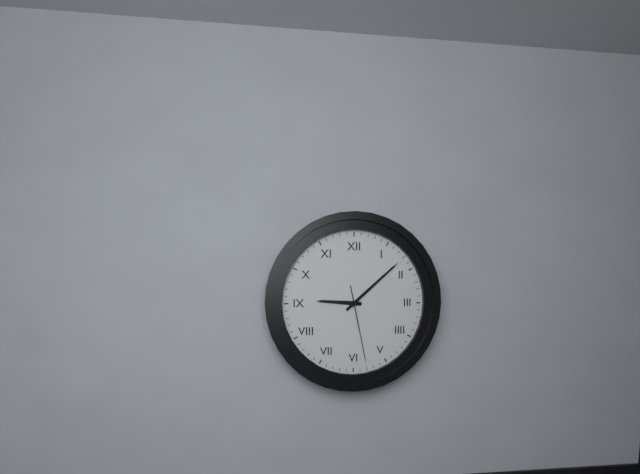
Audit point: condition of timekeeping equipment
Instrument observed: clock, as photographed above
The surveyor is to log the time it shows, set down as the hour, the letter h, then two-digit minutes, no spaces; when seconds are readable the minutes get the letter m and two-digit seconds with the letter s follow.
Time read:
9h08m28s
